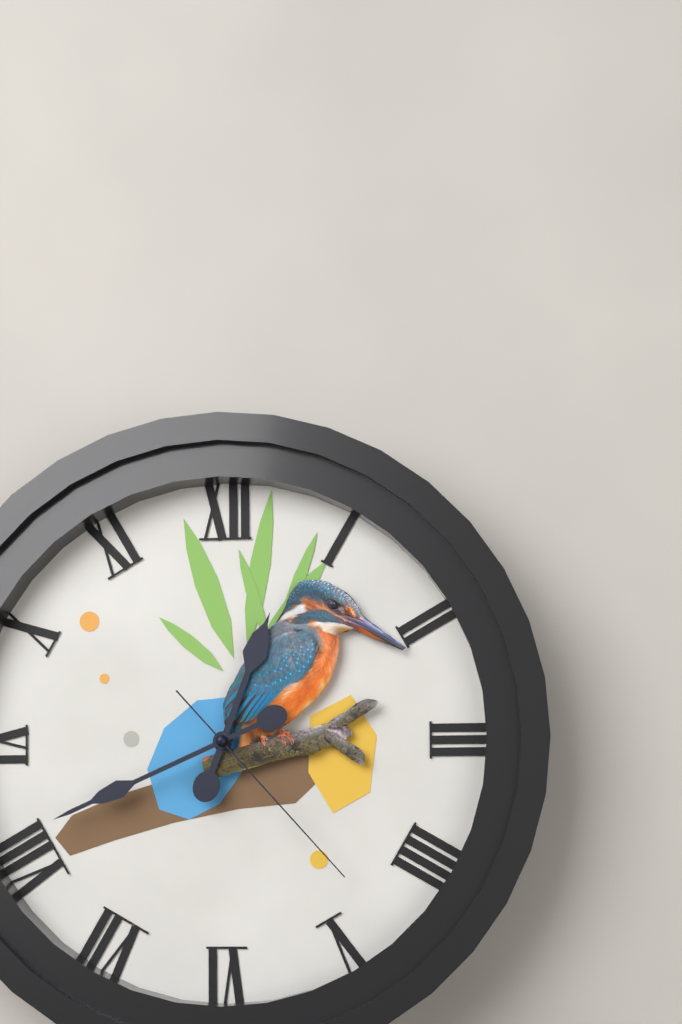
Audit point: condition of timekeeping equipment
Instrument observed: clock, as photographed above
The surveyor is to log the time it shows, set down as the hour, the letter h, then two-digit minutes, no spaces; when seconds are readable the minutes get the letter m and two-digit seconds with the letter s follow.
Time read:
12h41m23s
